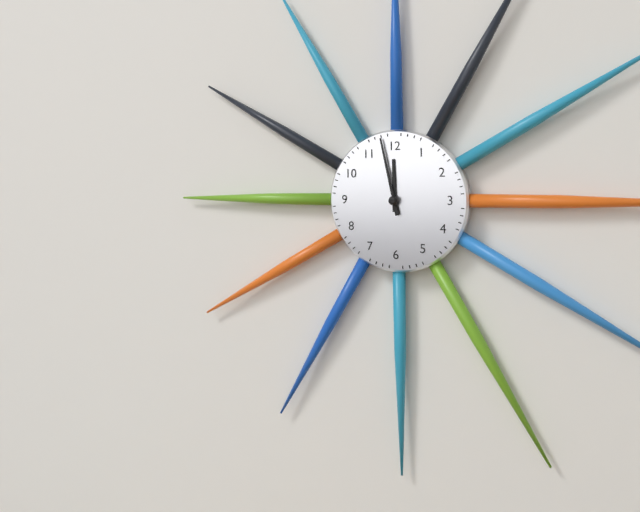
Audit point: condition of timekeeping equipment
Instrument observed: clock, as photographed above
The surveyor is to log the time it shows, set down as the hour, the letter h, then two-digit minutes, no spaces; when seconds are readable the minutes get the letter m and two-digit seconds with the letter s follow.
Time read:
11h58
